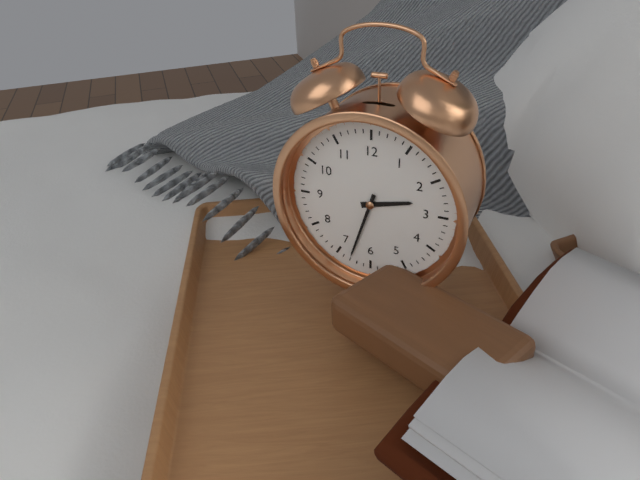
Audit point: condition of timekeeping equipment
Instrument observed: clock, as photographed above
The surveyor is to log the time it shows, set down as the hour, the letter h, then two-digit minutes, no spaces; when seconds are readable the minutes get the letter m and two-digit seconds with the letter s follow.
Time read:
2h33
